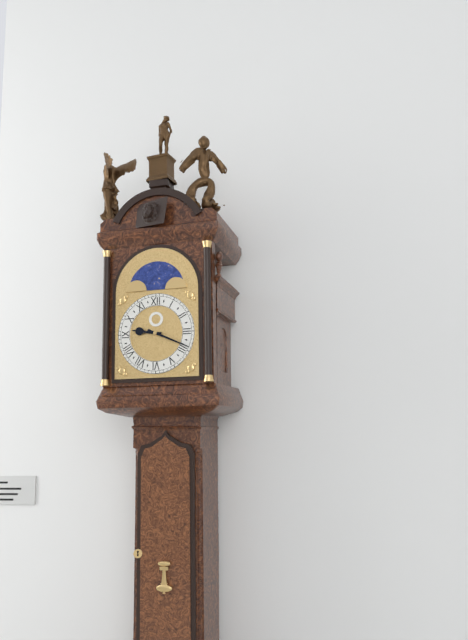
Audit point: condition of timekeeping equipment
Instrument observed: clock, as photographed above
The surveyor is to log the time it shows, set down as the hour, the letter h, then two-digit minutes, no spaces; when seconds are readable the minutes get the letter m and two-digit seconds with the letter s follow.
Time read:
9h19
